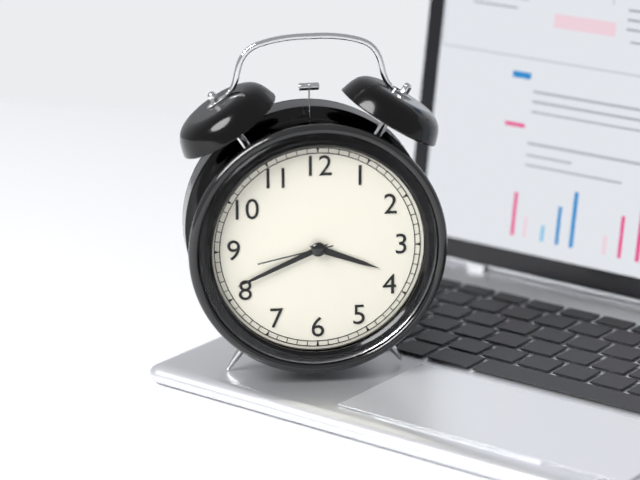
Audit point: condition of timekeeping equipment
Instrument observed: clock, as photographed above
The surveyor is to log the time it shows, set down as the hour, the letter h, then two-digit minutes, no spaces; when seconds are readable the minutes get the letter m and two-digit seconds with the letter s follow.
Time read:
3h41m43s
